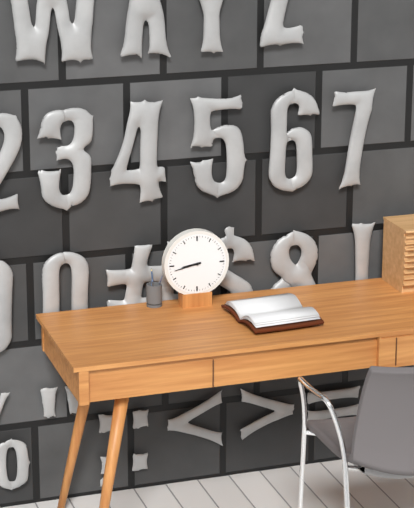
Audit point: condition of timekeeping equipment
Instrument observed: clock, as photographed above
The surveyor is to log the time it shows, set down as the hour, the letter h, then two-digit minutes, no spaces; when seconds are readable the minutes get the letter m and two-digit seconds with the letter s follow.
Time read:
8h43
